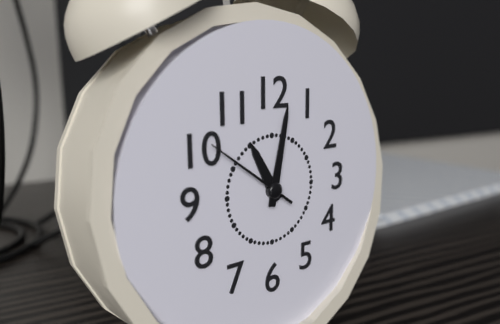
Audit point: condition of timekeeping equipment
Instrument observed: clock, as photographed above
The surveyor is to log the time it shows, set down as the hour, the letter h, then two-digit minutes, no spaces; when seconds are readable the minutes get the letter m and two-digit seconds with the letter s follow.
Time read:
11h02m51s
